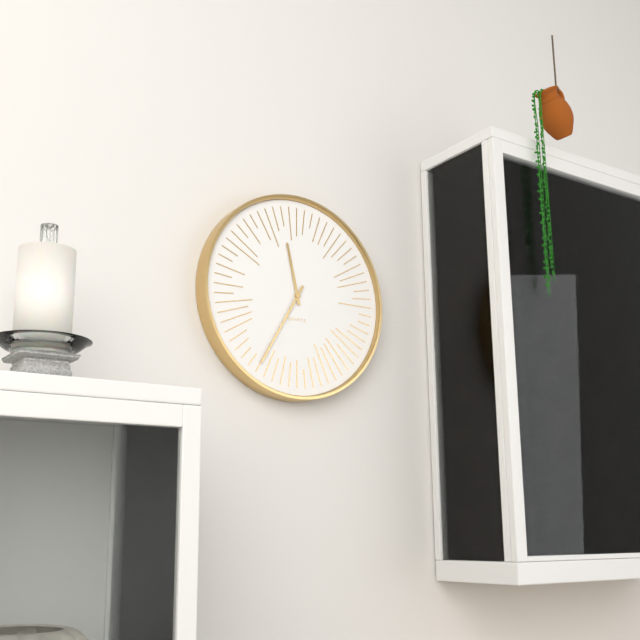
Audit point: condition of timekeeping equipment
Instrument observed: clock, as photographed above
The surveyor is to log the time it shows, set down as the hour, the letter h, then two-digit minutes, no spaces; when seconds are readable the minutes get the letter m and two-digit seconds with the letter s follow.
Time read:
11h35
